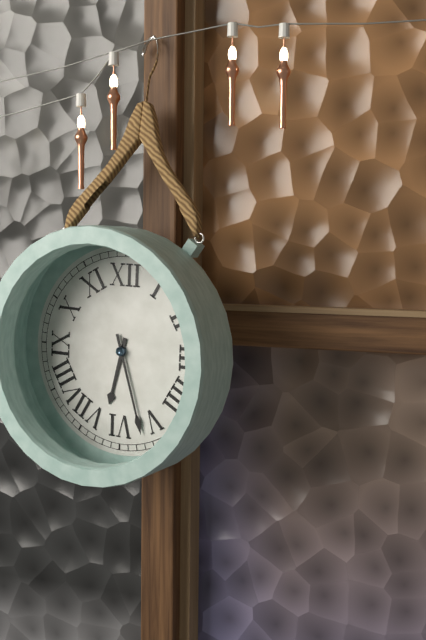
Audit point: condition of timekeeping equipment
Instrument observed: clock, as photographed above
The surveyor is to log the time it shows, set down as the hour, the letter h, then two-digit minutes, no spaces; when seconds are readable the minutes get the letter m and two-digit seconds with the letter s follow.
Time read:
6h27
